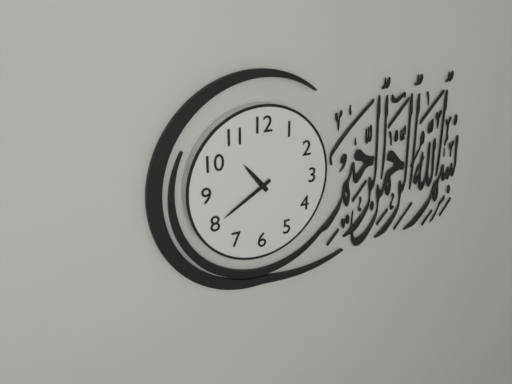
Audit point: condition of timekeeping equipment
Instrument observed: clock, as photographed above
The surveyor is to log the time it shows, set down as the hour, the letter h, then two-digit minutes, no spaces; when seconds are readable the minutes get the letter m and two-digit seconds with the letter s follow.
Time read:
10h40
